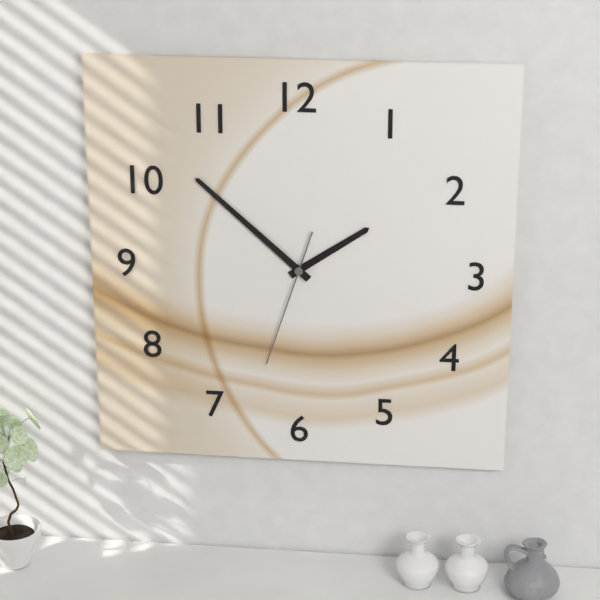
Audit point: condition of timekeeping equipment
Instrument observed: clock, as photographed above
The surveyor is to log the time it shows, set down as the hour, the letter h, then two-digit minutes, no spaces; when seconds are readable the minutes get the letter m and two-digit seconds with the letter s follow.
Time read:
1h52m33s
